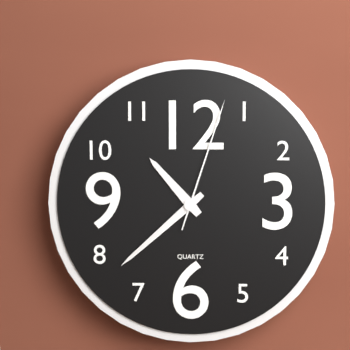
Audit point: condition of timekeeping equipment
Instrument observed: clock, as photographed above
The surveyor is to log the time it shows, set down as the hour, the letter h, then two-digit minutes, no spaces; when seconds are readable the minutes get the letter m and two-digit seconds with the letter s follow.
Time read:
10h38m03s
